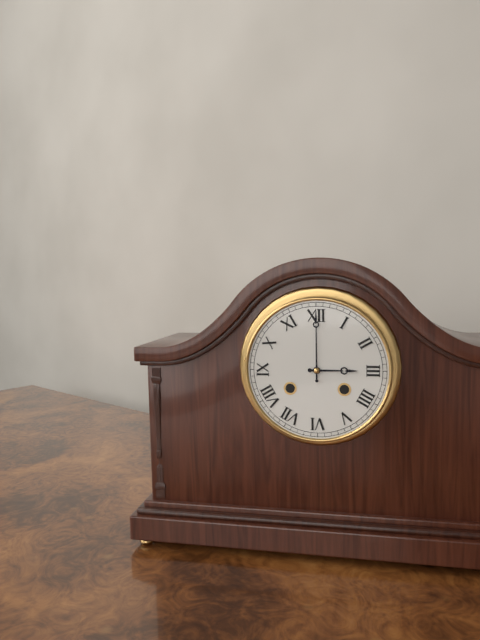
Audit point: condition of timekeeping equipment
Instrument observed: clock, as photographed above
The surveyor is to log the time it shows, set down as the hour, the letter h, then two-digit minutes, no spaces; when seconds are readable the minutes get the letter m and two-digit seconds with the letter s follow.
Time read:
3h00
